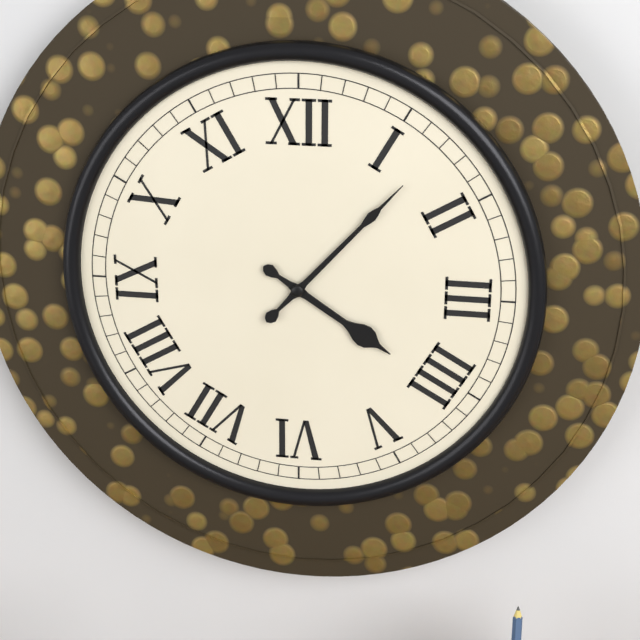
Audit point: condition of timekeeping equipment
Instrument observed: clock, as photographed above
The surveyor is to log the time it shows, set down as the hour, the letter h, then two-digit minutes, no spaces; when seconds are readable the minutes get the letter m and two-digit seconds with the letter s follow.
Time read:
4h07
